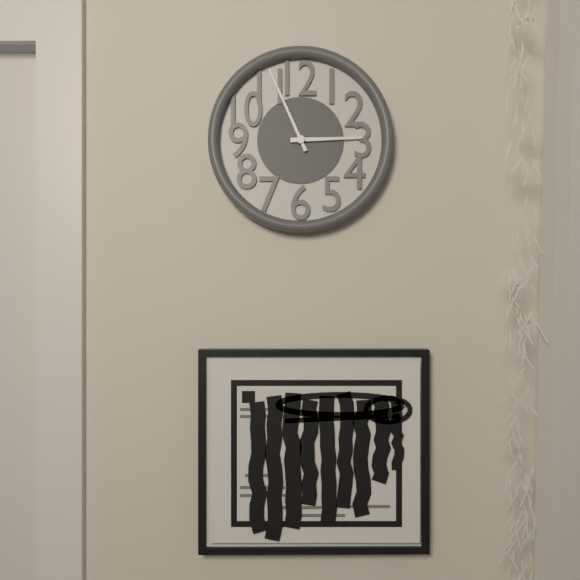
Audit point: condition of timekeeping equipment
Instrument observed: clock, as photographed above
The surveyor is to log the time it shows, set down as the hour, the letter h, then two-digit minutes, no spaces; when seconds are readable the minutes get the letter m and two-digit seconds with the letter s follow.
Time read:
2h56
